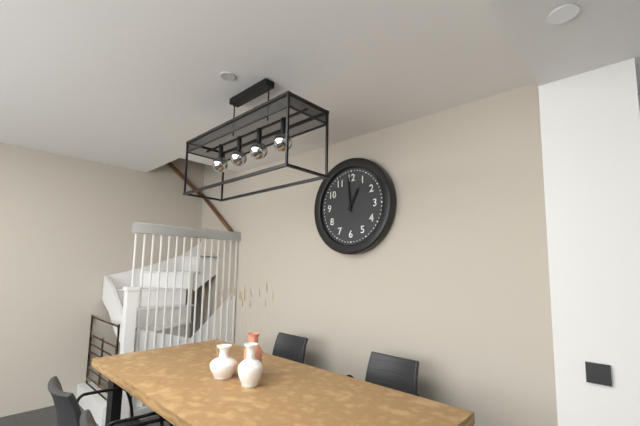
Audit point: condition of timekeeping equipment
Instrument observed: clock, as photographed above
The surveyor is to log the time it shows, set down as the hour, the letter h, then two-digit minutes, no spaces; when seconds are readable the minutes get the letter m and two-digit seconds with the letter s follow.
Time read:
12h59
